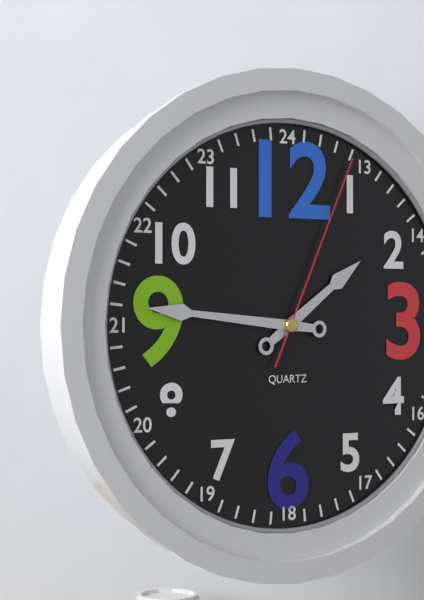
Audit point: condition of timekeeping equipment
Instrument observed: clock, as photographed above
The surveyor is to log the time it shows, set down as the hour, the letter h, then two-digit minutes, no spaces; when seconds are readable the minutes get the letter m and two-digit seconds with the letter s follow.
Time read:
1h46m04s
